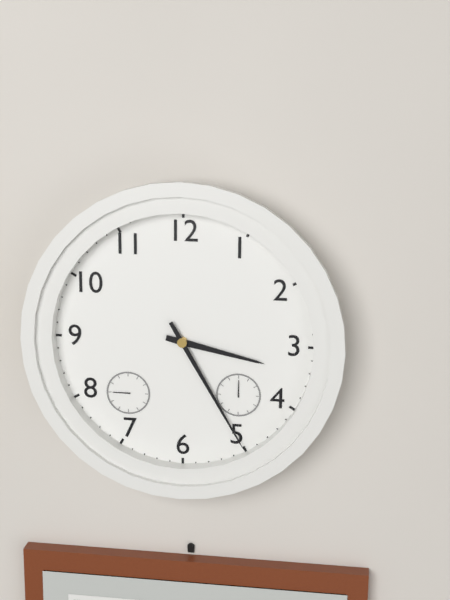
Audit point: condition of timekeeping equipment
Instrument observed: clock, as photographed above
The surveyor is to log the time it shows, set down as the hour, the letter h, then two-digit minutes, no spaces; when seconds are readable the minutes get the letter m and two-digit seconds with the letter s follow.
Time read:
3h25
